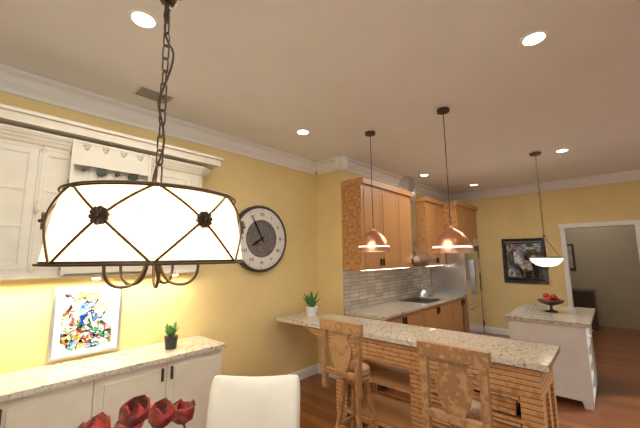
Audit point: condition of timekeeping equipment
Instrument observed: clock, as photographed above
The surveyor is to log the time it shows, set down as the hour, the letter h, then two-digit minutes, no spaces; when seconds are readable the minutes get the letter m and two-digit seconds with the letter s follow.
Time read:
7h55
